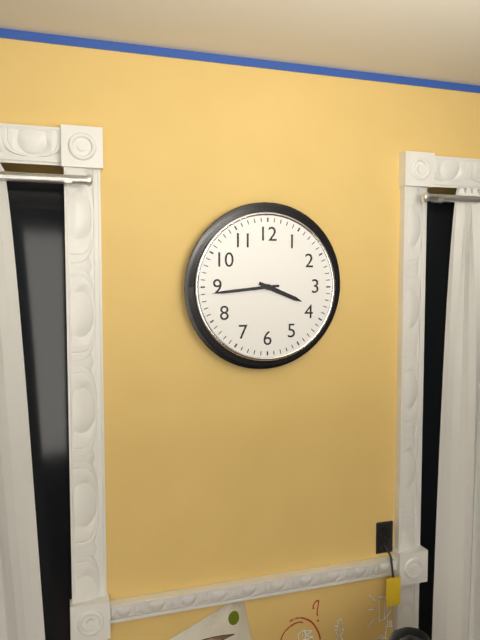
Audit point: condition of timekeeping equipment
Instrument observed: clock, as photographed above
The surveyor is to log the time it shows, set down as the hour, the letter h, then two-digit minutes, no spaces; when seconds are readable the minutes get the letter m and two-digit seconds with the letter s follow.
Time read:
3h44
